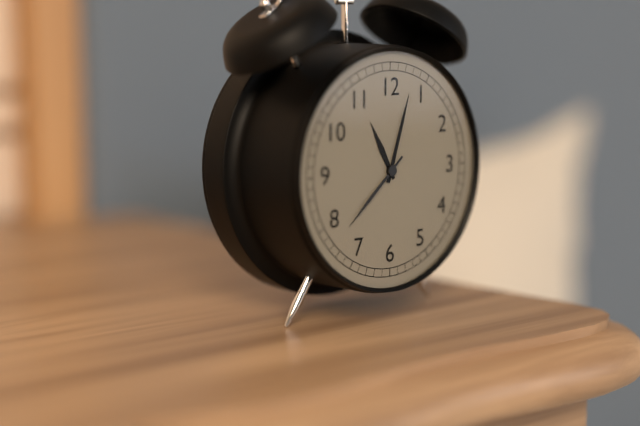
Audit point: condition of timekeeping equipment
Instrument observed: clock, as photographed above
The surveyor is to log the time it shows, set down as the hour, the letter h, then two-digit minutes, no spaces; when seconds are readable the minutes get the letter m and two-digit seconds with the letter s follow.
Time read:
11h03m38s
